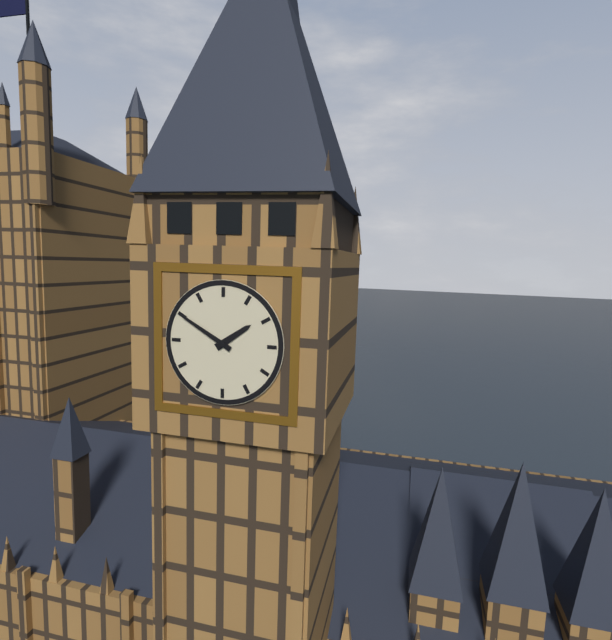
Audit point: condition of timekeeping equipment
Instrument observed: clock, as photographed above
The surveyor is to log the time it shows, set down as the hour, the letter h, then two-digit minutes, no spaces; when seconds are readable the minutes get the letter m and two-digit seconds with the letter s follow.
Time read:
1h50
